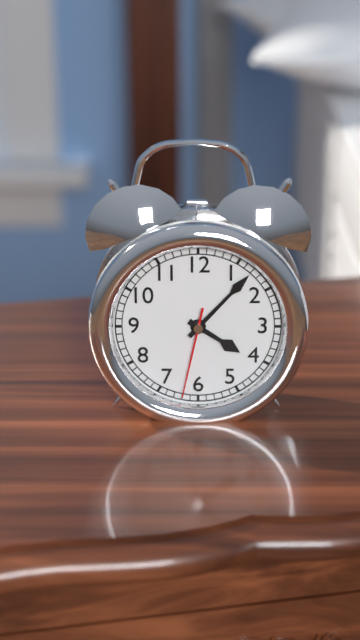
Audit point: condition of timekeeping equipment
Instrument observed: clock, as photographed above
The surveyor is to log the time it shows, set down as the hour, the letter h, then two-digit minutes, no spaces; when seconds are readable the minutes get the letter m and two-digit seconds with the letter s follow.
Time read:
4h07m32s
